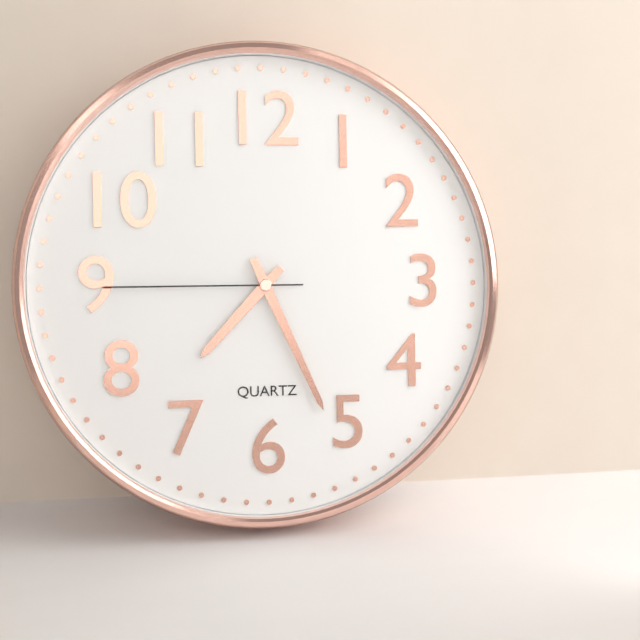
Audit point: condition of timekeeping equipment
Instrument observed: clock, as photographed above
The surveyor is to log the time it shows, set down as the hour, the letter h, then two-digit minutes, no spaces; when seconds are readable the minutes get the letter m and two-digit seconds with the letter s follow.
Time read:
7h26m45s
